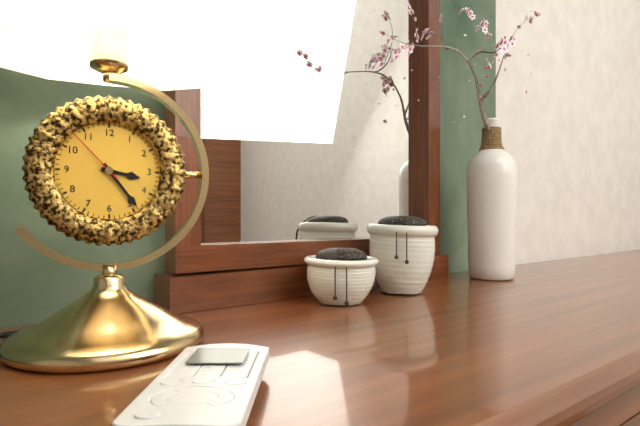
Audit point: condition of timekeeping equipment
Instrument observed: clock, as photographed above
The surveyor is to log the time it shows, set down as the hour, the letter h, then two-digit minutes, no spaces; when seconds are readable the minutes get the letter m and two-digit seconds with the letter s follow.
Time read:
3h24m53s
